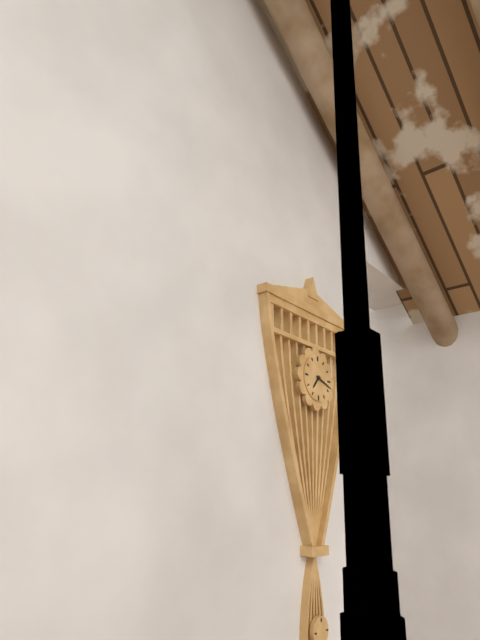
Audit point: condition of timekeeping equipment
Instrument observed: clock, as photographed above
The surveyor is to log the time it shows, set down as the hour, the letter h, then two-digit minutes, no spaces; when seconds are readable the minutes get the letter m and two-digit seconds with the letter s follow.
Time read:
7h18
